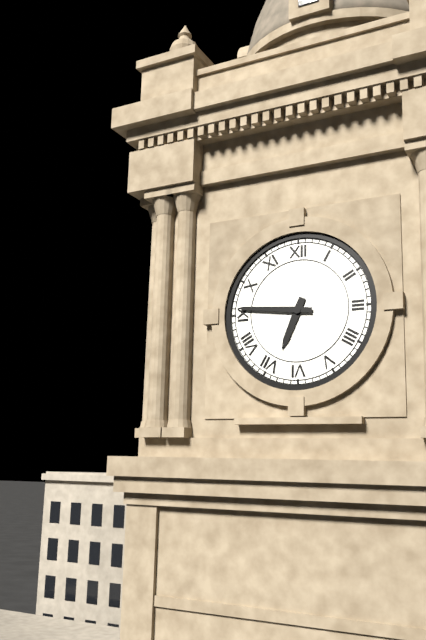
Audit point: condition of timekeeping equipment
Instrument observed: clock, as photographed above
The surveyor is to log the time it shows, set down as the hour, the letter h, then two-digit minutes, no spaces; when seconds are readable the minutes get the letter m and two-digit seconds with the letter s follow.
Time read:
6h46
